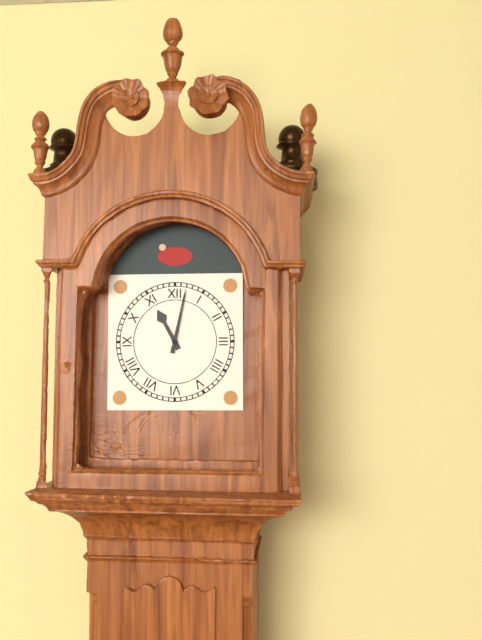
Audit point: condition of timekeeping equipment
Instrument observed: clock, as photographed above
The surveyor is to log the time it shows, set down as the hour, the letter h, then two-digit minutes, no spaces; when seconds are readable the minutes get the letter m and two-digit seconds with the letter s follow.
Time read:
11h02
